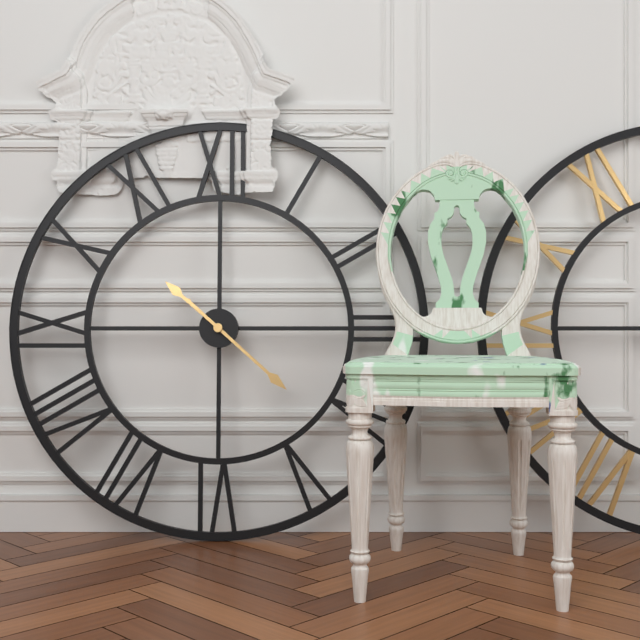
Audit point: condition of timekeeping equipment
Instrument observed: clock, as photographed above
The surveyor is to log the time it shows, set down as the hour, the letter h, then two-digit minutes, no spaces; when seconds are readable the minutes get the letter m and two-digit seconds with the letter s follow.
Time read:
10h22
